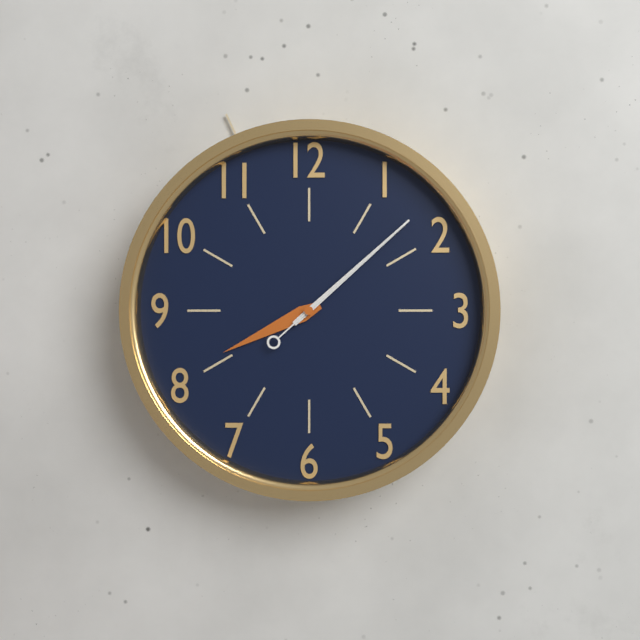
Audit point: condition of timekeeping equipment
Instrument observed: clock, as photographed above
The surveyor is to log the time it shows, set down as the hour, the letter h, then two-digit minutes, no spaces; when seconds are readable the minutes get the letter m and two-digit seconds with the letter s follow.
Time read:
8h08m08s
